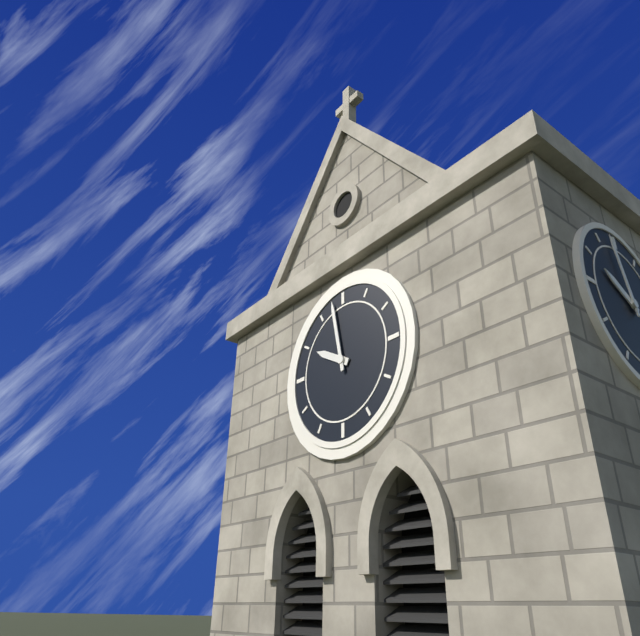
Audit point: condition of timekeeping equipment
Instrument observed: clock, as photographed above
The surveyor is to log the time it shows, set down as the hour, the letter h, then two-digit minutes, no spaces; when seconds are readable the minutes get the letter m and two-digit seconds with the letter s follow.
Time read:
9h58
